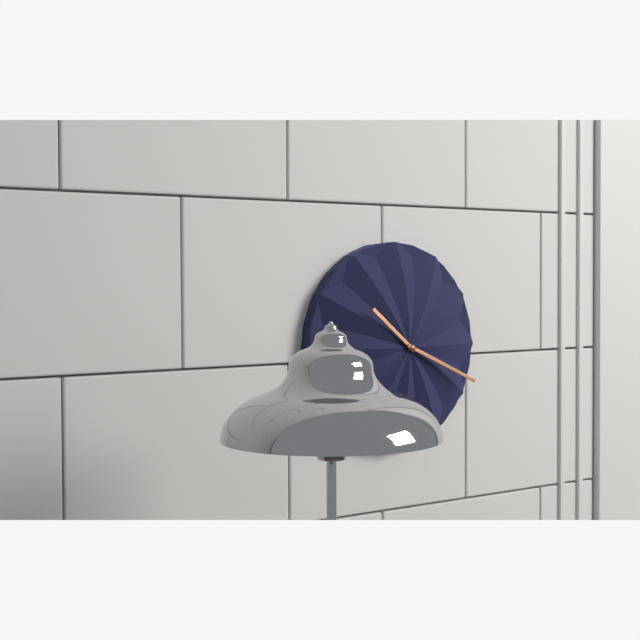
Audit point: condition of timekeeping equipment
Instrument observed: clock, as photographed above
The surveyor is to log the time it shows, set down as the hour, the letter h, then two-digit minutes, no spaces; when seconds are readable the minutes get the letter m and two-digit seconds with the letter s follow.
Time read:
10h19
